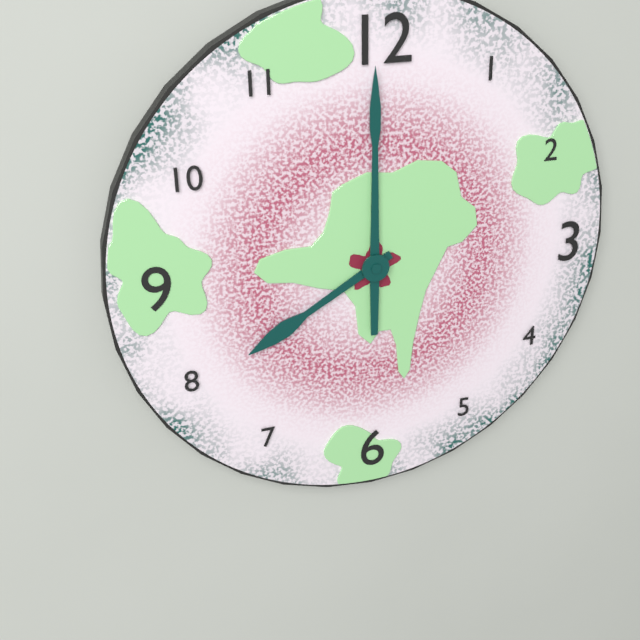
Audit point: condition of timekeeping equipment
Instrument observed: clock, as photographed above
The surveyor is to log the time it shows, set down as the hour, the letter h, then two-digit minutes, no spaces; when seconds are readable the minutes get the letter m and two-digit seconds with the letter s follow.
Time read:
8h00
